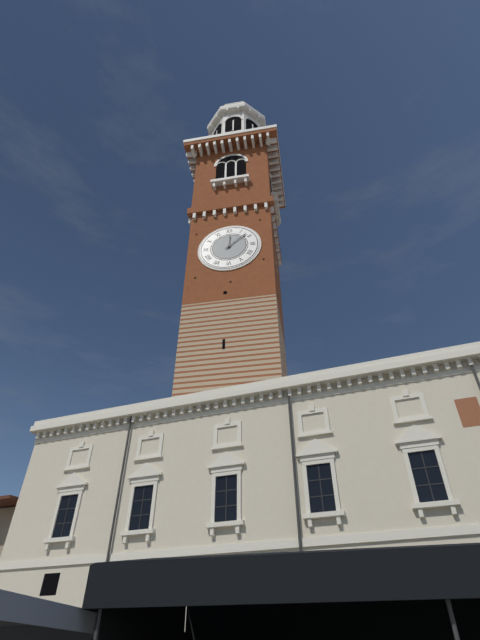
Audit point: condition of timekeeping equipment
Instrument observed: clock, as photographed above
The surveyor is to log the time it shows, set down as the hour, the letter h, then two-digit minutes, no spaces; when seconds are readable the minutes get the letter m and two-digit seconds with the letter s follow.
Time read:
12h08
